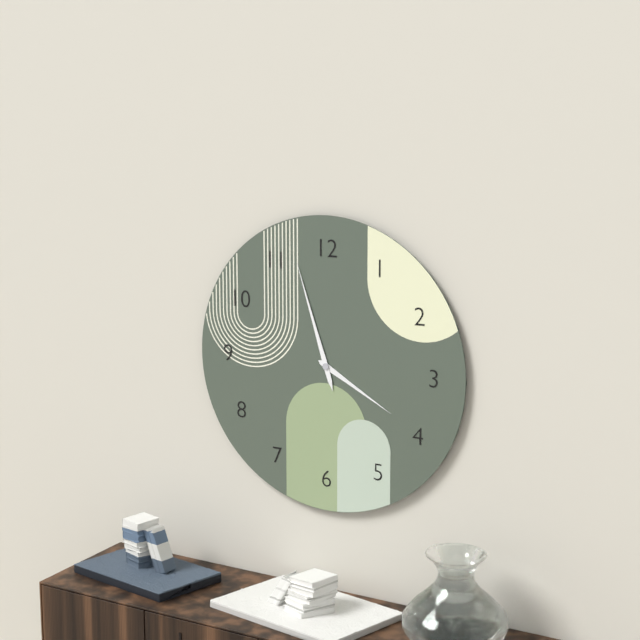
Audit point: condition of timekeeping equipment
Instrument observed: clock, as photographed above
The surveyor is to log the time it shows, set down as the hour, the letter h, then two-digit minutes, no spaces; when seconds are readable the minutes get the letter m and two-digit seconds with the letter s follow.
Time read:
3h57
